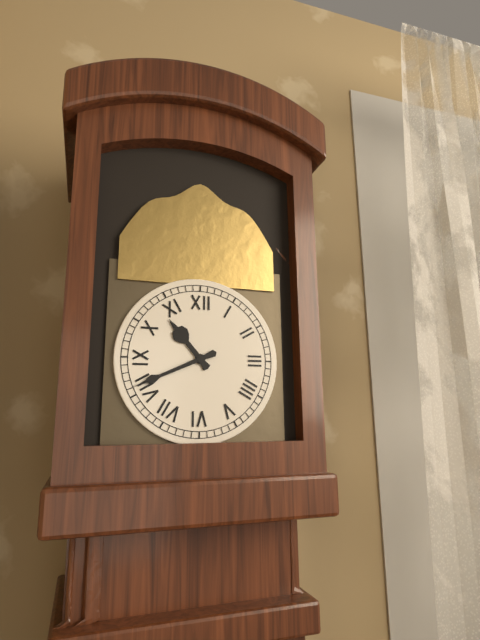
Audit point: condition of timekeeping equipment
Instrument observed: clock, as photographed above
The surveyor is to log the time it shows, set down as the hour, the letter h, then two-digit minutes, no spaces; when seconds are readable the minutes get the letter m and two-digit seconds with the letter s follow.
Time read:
10h41
